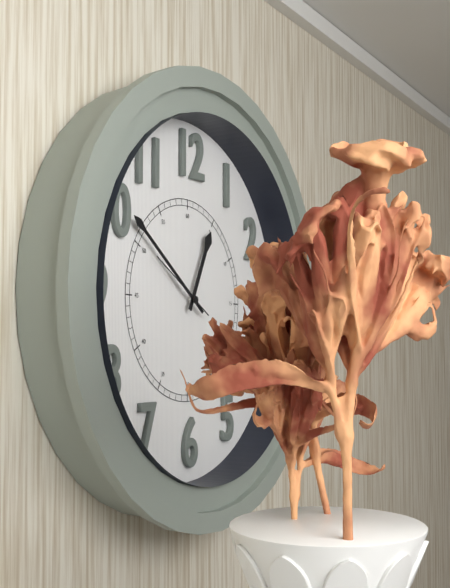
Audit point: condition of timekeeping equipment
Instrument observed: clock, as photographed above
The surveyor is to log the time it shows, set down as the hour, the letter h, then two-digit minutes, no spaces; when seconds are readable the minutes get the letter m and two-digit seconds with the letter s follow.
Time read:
12h51m50s
